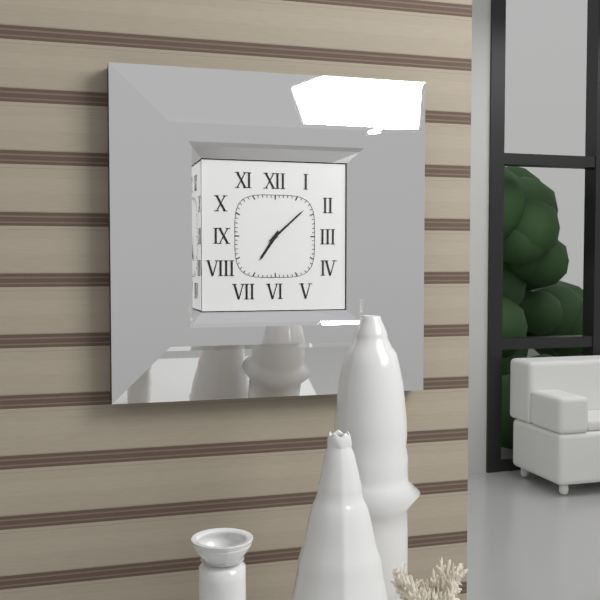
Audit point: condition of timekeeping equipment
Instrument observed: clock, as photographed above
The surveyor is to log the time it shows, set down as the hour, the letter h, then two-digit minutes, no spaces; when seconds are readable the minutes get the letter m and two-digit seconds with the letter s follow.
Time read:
7h08
